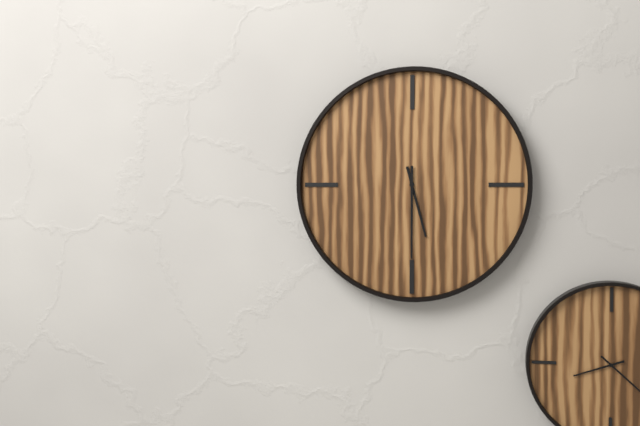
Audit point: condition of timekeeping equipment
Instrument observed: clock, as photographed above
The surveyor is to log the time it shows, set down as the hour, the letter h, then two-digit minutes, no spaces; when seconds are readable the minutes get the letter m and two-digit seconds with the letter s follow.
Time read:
5h30
